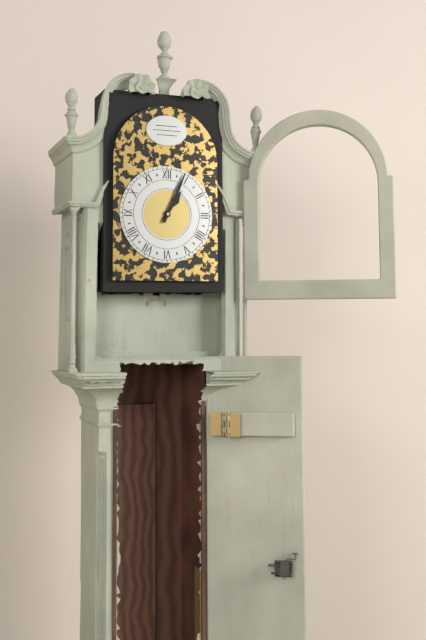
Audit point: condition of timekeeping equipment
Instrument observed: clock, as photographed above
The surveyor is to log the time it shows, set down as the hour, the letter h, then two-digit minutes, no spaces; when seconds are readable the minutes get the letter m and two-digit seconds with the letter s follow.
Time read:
1h04
